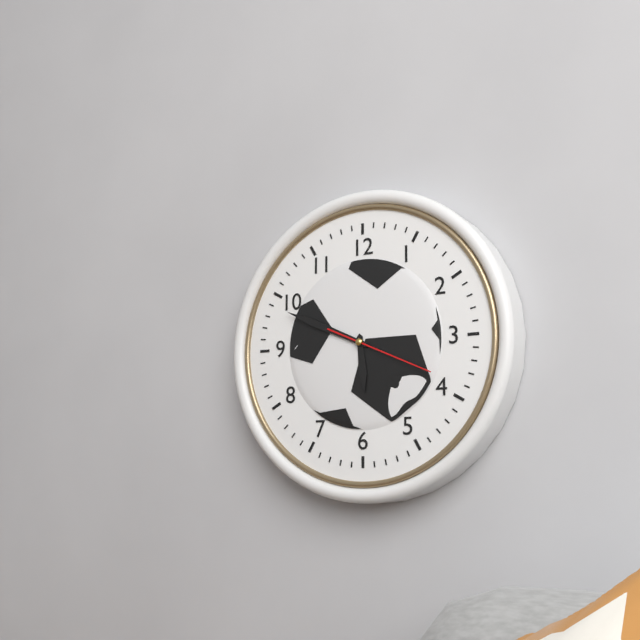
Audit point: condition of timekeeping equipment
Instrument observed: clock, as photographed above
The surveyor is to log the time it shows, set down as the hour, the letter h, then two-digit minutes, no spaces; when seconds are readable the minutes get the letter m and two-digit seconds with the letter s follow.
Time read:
5h49m19s
